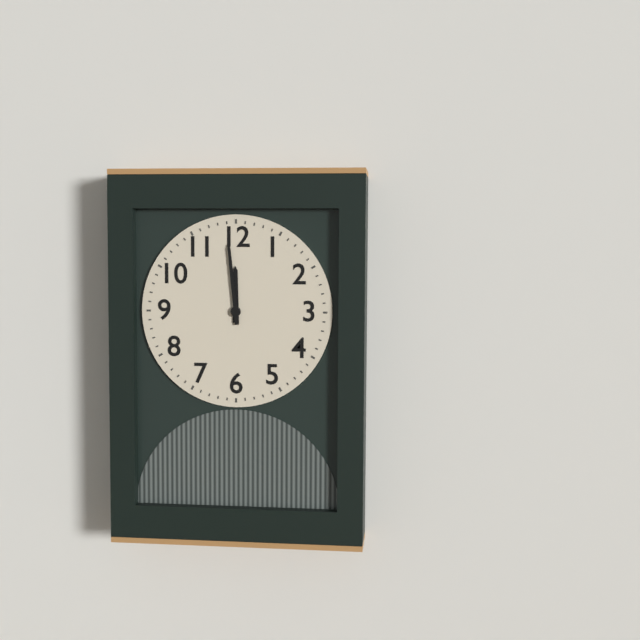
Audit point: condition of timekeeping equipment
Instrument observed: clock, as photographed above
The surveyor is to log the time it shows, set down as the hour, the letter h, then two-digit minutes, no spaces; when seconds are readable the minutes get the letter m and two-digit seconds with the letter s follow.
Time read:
11h59
